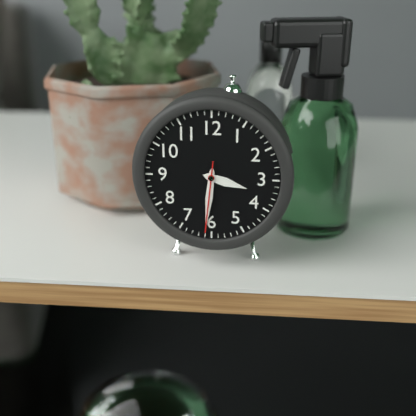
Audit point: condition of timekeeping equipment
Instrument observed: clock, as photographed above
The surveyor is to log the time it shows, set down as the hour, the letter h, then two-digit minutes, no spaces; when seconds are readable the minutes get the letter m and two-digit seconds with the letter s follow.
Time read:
3h31m31s
